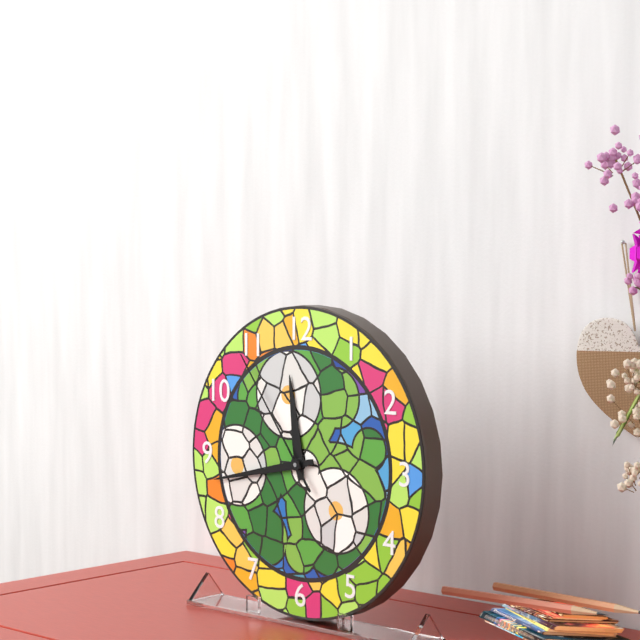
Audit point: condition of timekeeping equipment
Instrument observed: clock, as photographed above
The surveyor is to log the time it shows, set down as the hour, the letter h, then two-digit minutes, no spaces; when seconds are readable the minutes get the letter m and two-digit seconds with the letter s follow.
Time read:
11h43m54s
